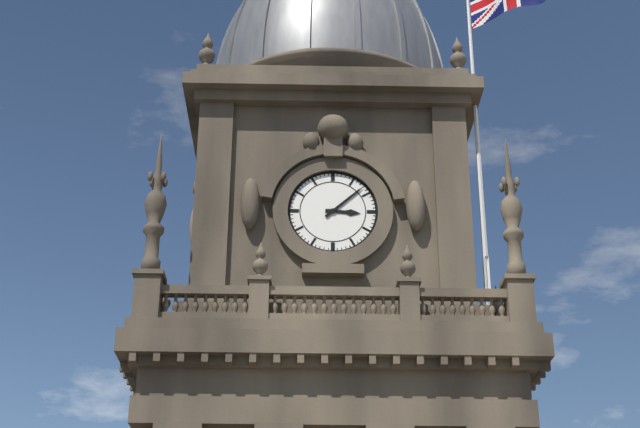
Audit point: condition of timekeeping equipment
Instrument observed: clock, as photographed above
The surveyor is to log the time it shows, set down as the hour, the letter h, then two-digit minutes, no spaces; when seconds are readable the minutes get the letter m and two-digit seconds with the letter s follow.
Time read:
3h08
